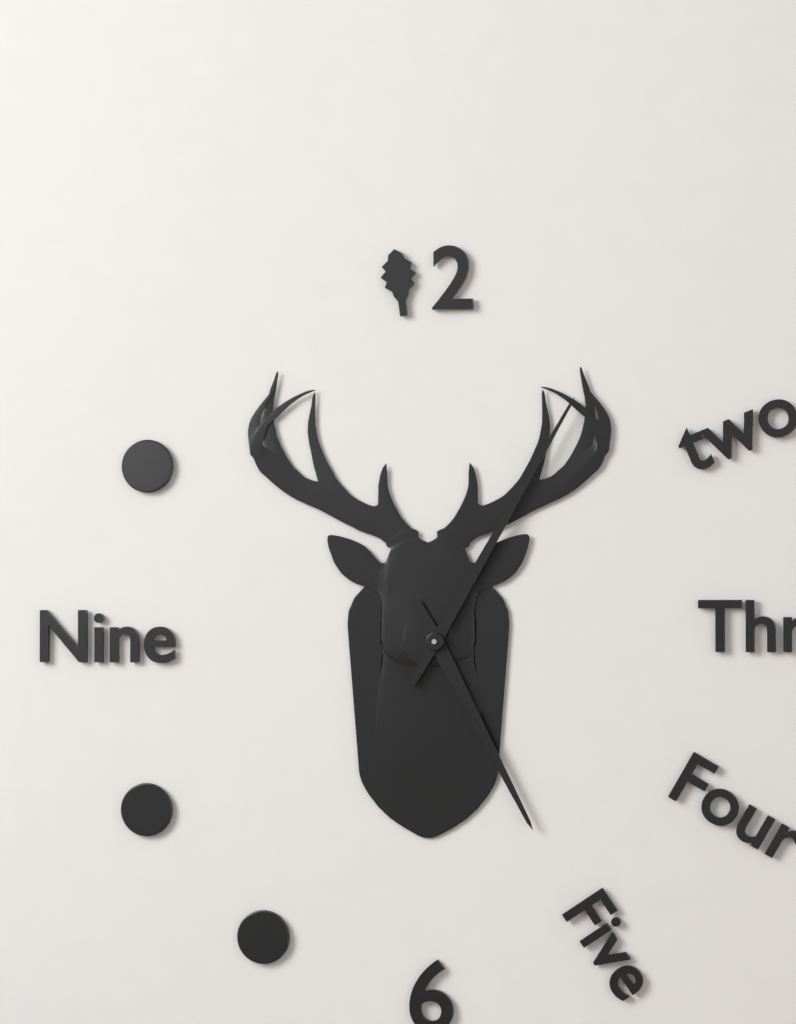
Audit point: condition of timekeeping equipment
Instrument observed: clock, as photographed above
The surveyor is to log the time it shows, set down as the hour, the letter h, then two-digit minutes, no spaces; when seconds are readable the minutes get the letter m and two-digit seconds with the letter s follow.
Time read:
5h05
